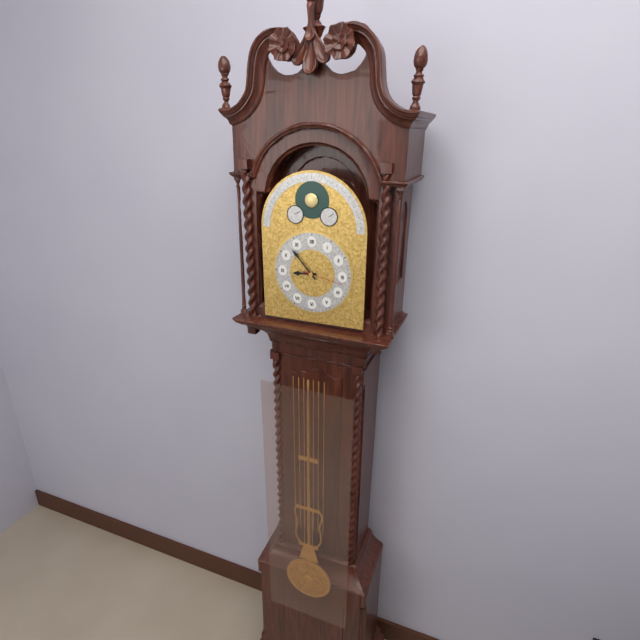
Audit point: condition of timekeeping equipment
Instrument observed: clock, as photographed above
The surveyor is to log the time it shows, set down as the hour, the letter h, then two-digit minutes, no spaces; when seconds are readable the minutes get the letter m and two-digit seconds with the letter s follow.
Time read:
8h53
